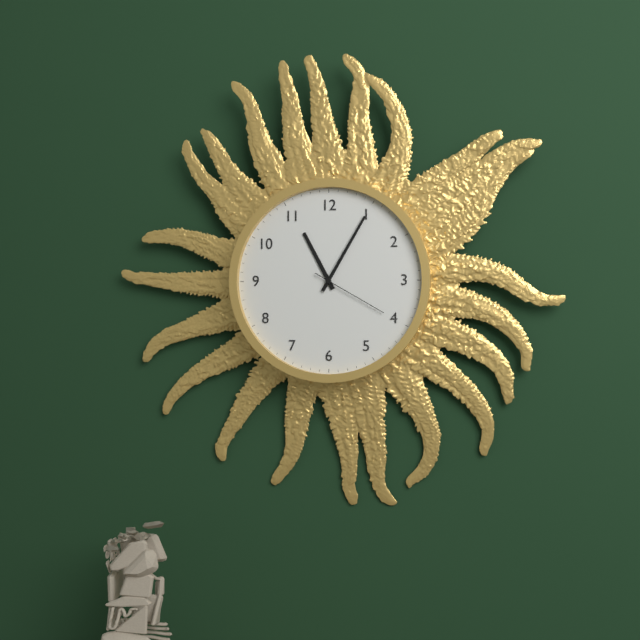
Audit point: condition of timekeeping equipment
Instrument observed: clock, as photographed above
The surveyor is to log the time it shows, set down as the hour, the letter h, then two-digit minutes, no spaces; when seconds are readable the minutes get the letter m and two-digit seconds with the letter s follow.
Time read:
11h05m20s
